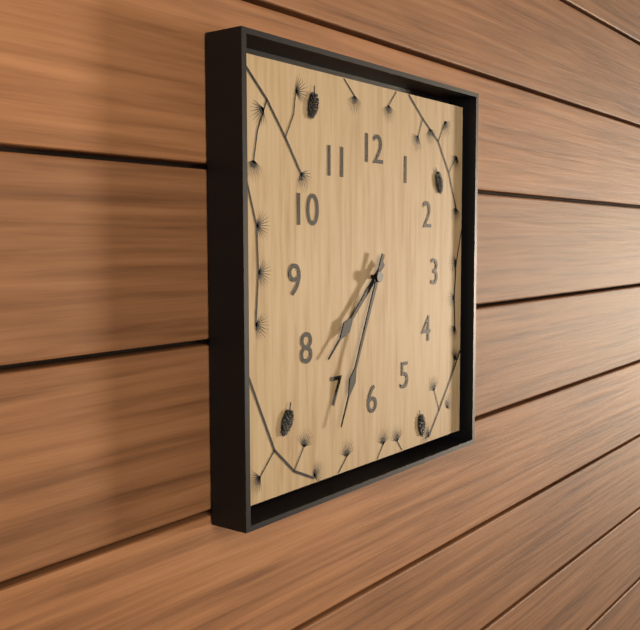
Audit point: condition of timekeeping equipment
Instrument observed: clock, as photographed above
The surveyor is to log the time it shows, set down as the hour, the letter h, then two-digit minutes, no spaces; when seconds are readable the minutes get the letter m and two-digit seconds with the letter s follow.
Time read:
7h34
